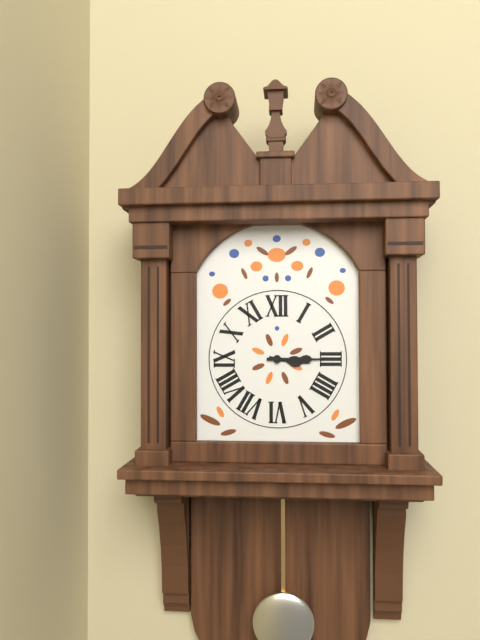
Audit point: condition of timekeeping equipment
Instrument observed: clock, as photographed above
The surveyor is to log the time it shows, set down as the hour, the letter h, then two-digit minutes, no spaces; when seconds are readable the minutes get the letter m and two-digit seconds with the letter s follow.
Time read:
3h15
